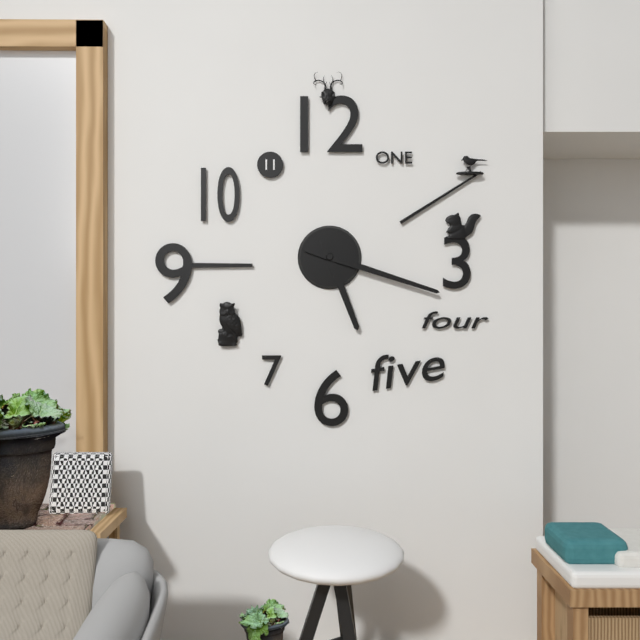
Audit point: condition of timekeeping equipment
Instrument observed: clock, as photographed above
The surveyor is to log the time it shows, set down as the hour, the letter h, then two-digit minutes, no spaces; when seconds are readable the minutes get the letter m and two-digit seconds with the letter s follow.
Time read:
5h18
